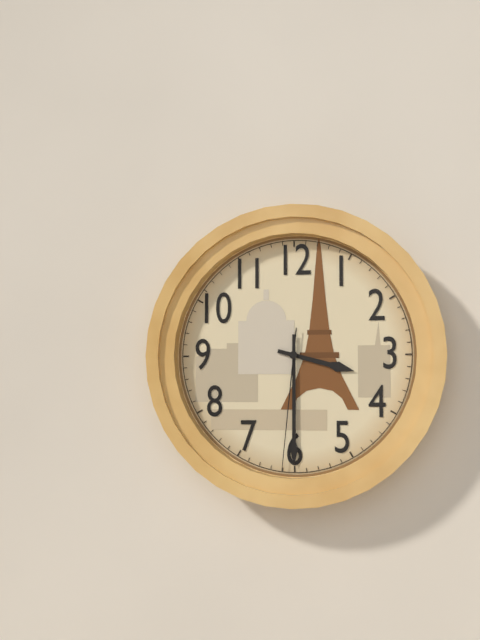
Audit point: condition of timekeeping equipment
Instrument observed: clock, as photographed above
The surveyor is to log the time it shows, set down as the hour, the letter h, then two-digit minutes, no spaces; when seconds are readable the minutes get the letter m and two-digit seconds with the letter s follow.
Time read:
3h30m31s
